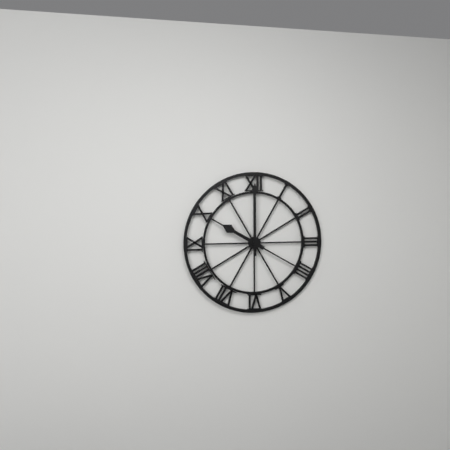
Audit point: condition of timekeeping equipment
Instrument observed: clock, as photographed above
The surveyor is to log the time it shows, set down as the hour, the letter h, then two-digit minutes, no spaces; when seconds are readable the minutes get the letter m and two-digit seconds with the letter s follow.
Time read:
10h00
